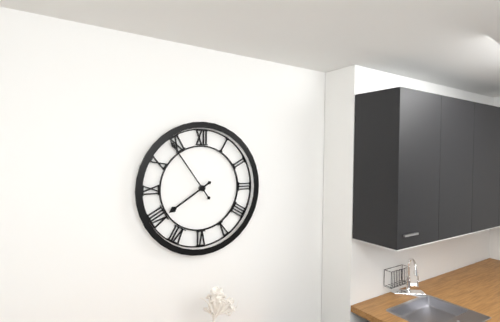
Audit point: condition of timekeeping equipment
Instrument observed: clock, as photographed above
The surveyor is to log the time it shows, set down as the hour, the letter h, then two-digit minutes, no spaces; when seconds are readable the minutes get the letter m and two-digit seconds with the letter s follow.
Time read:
7h54
